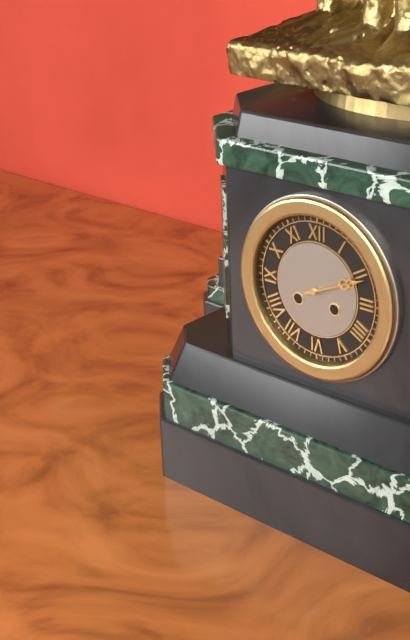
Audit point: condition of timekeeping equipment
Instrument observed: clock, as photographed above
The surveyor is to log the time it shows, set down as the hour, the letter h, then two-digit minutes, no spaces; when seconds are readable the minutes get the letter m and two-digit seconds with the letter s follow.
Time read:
2h11
